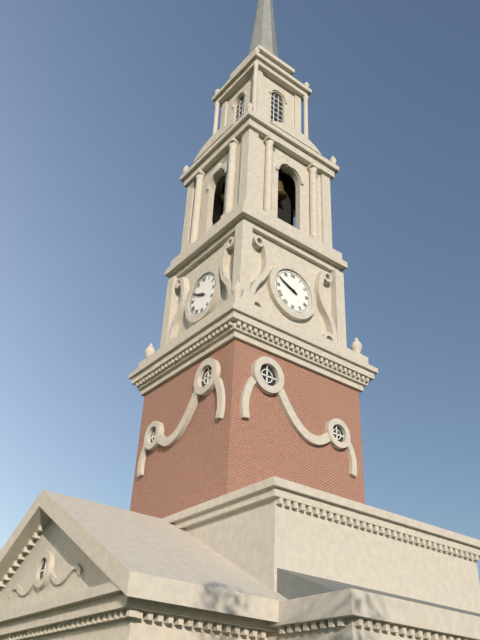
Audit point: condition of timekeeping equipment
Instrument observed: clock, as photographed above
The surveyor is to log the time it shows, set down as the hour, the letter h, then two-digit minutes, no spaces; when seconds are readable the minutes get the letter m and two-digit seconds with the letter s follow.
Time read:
9h49
